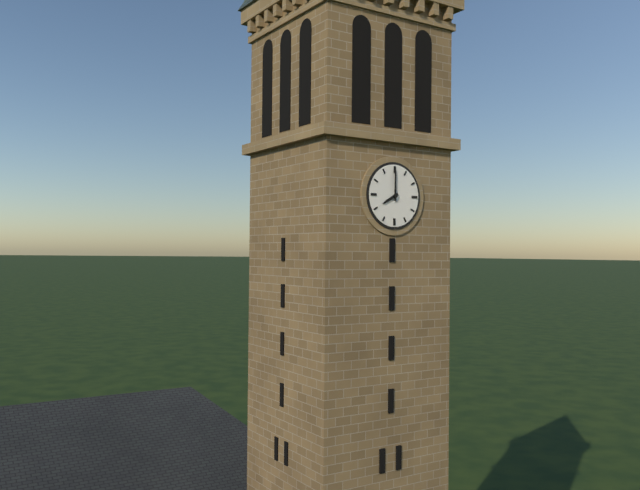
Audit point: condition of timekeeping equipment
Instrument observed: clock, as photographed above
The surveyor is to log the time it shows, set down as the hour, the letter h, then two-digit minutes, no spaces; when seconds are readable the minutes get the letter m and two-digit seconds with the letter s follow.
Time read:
8h00
